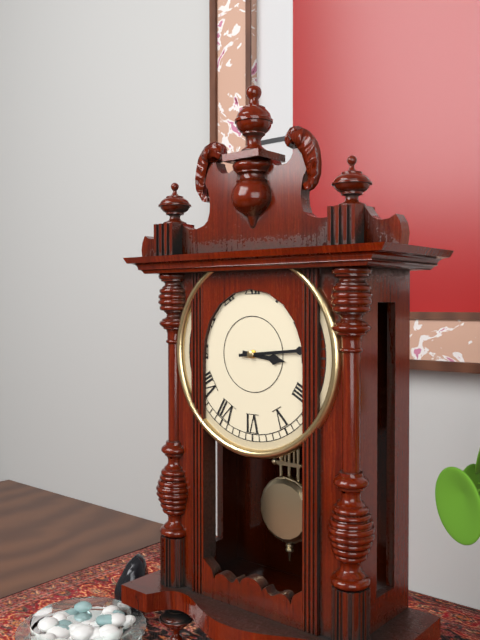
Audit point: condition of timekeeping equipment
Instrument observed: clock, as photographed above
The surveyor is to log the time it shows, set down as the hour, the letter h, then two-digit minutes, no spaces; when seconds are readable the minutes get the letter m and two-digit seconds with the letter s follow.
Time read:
3h14
